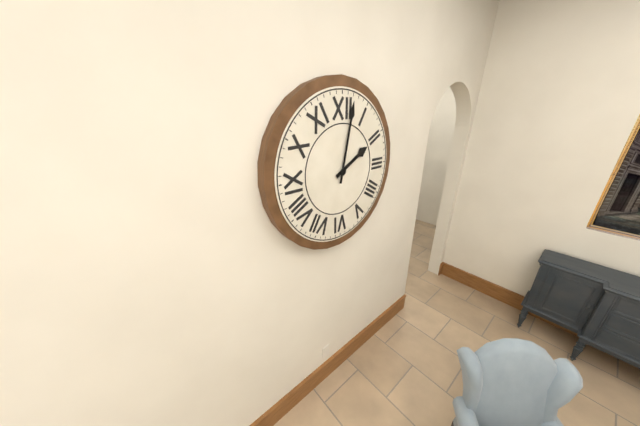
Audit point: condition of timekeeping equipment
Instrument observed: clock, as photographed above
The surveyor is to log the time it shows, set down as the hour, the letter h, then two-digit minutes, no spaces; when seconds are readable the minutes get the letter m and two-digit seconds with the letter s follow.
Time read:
2h02
